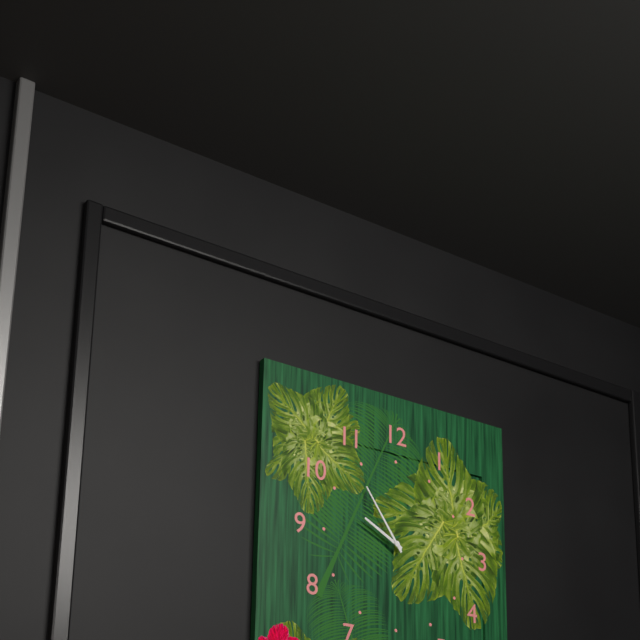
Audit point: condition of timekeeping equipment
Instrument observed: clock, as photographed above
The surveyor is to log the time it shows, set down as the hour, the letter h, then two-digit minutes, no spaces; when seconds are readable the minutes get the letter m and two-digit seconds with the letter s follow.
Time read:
9h54
